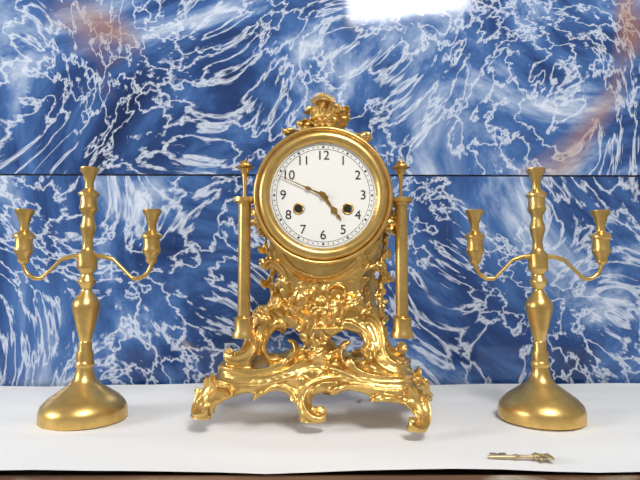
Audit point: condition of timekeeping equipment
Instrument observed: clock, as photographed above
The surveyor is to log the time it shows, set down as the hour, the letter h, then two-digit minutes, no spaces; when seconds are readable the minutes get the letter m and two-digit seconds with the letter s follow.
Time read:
4h49
